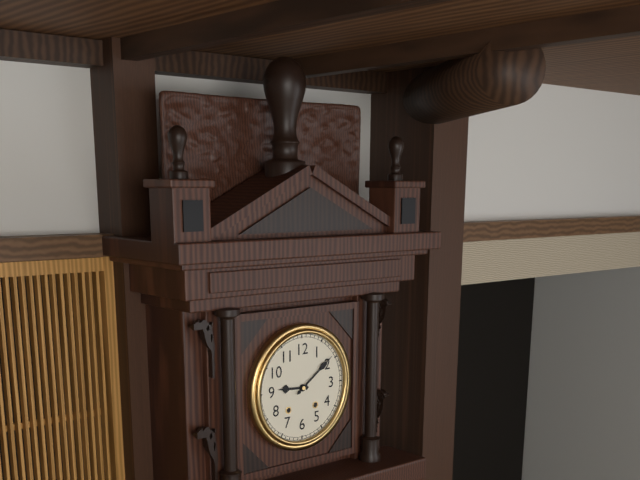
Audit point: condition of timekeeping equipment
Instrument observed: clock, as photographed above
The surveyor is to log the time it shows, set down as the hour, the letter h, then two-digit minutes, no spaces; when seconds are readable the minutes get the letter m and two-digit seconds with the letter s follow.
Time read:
9h09
